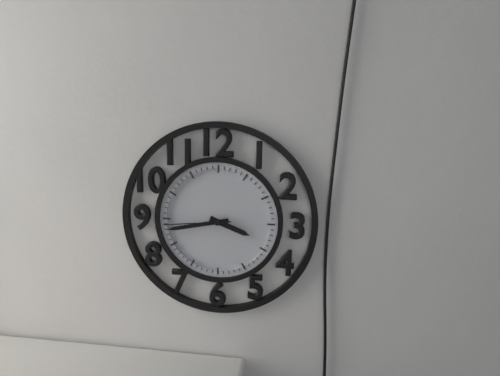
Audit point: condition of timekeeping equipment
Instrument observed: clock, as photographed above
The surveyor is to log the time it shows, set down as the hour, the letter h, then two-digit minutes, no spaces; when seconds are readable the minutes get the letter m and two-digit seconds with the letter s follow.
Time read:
3h43m44s
